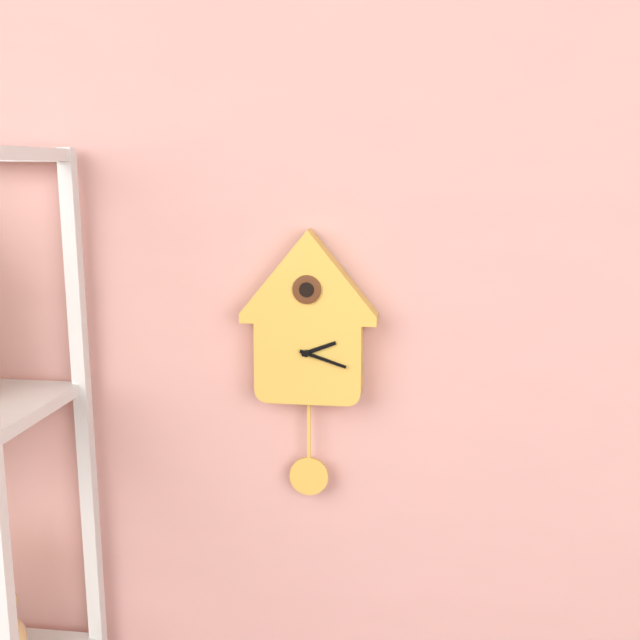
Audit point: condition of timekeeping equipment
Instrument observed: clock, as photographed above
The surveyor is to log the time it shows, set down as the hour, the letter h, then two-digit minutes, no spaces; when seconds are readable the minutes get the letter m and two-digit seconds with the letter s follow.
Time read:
2h18
